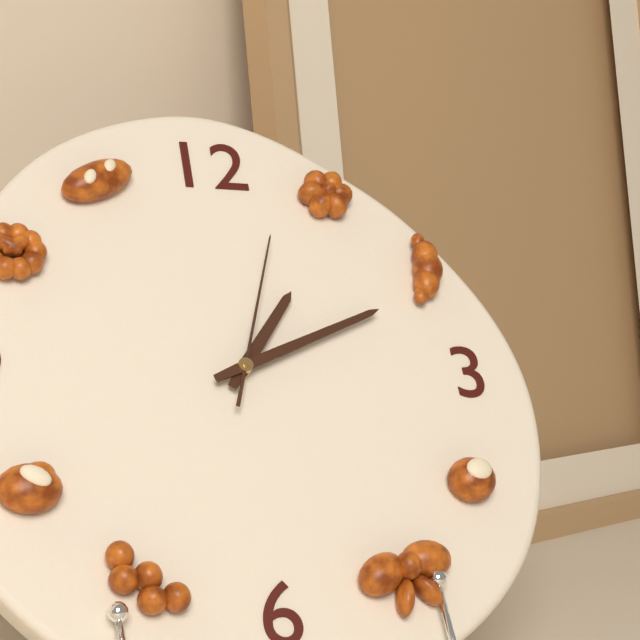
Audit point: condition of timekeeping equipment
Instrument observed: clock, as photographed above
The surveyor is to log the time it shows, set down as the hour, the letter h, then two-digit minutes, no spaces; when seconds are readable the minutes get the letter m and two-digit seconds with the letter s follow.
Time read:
1h11m03s
